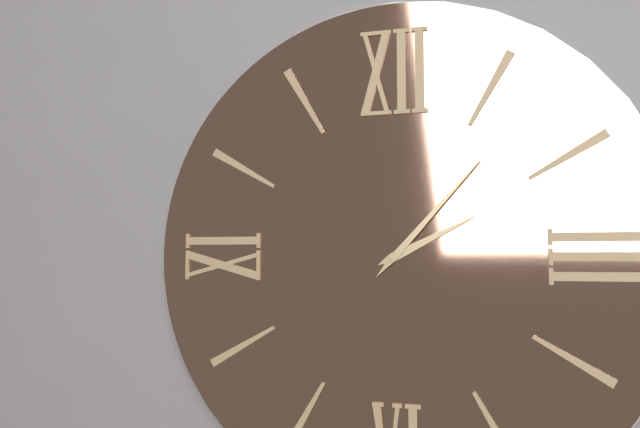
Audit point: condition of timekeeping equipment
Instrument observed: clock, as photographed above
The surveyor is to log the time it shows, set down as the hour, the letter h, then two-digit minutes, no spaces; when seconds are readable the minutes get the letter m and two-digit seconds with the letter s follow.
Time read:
2h07
